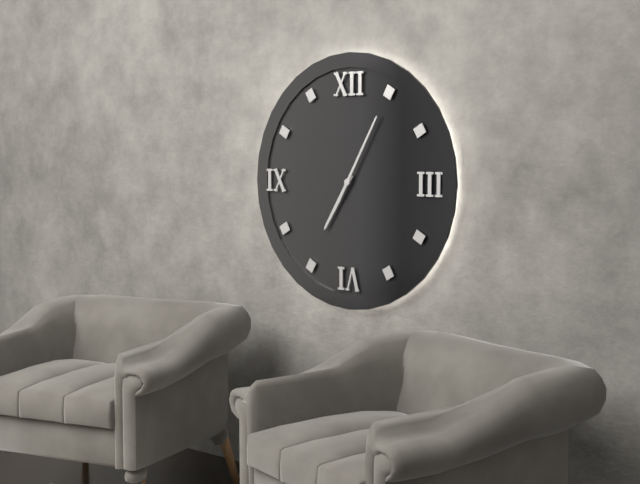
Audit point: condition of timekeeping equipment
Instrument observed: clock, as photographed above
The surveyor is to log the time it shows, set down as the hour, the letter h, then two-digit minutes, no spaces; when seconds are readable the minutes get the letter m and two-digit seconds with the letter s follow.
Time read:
7h05
